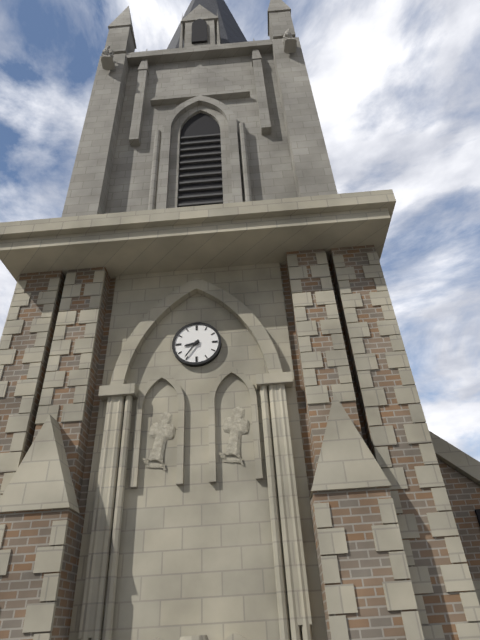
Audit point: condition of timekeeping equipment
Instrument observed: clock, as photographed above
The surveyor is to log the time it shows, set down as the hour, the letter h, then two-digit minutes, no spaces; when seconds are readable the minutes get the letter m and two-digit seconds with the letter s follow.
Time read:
8h36
